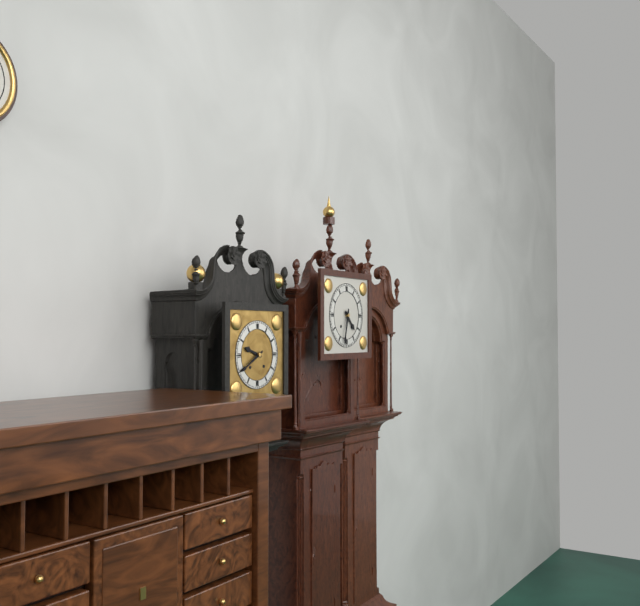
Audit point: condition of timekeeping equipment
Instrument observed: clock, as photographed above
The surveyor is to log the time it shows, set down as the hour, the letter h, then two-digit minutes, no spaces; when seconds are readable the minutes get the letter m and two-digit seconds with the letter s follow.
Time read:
4h32
